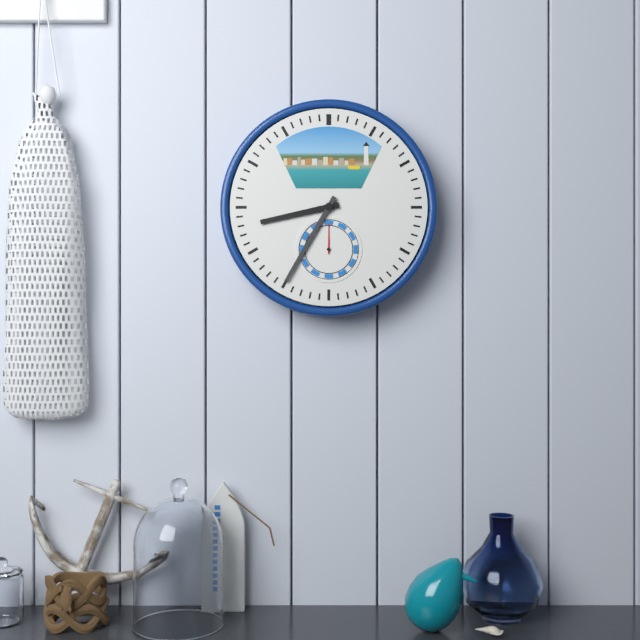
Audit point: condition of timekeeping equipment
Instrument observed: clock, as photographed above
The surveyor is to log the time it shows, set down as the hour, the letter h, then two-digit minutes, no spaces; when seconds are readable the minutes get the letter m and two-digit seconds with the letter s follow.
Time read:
8h35
